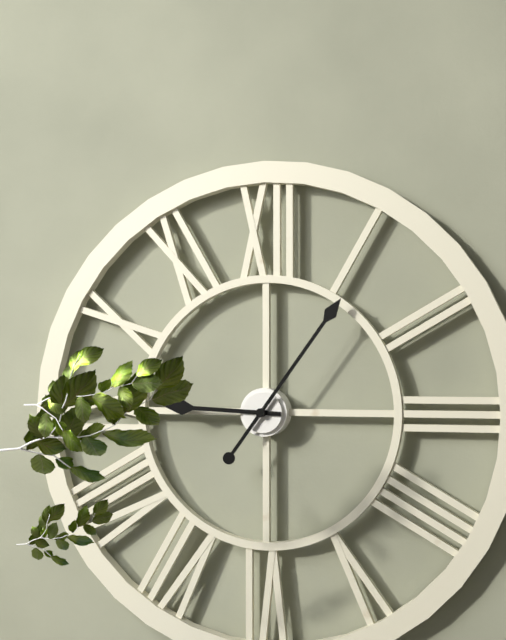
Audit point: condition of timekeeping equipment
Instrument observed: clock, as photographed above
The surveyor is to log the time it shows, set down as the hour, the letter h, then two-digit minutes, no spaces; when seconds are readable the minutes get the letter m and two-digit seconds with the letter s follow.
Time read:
9h06
